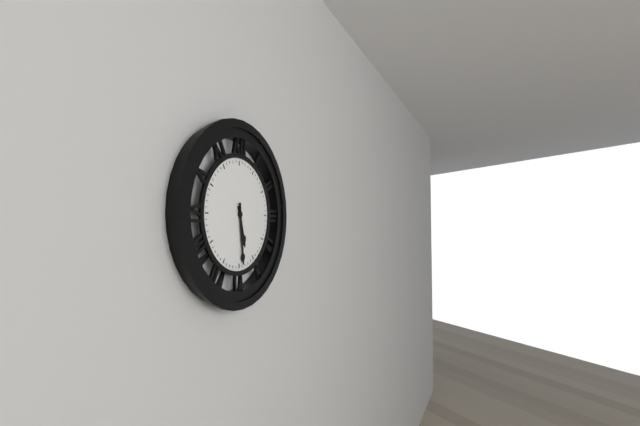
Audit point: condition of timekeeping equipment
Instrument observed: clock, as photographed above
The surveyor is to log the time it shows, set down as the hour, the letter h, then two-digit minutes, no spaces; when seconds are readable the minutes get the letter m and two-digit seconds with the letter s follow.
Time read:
5h29
